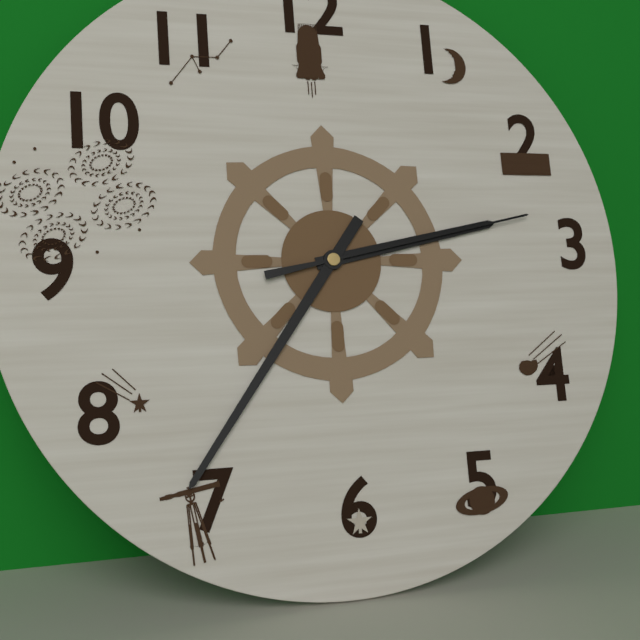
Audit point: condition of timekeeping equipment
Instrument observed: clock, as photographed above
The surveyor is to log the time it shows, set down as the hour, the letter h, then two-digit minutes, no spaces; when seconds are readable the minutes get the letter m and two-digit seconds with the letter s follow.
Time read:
2h36m13s
